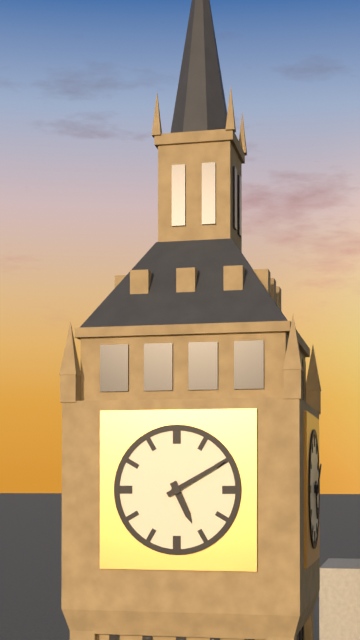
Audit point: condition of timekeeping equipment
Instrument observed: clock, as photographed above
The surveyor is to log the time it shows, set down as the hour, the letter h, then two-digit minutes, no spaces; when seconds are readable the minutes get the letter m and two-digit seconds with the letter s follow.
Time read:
5h10
